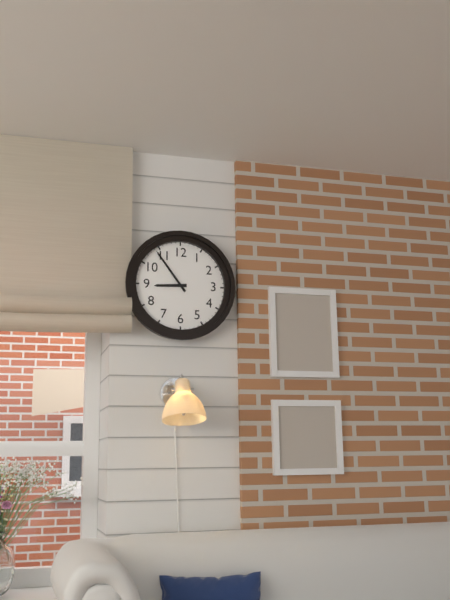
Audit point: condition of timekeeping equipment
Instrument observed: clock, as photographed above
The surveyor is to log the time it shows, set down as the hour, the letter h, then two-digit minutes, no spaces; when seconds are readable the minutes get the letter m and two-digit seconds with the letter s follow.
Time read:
8h54
